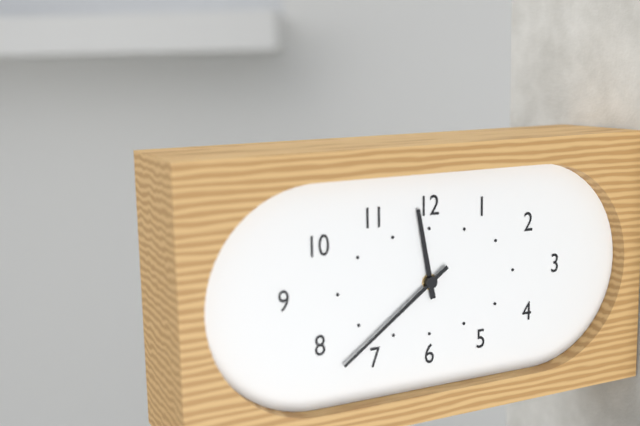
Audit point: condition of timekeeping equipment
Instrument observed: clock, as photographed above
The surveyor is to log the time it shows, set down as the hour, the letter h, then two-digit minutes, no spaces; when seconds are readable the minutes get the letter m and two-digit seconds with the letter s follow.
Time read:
11h39
